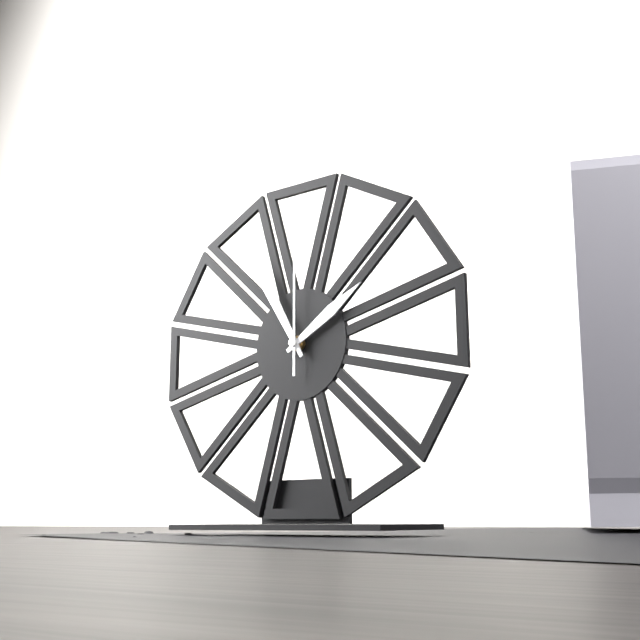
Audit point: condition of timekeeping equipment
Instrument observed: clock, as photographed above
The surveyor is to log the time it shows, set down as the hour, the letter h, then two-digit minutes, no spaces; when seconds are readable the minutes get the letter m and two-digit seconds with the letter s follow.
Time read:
1h55m00s
